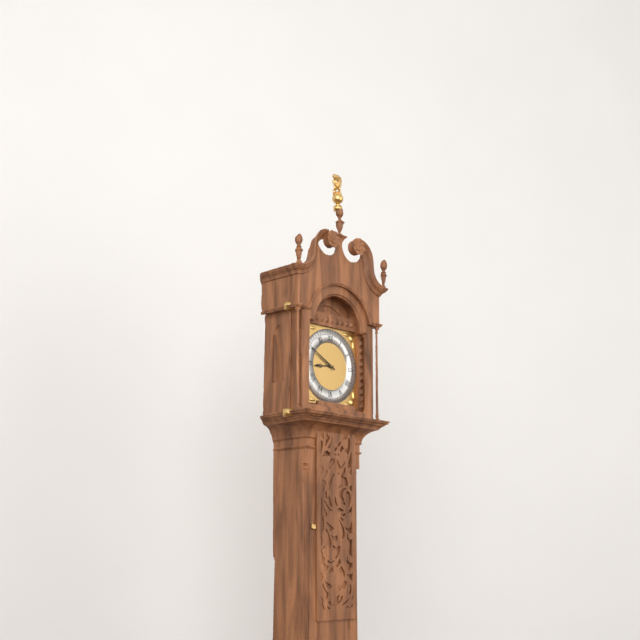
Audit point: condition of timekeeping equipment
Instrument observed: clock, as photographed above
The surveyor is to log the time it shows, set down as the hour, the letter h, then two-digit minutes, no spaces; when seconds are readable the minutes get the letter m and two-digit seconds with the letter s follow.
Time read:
8h50
